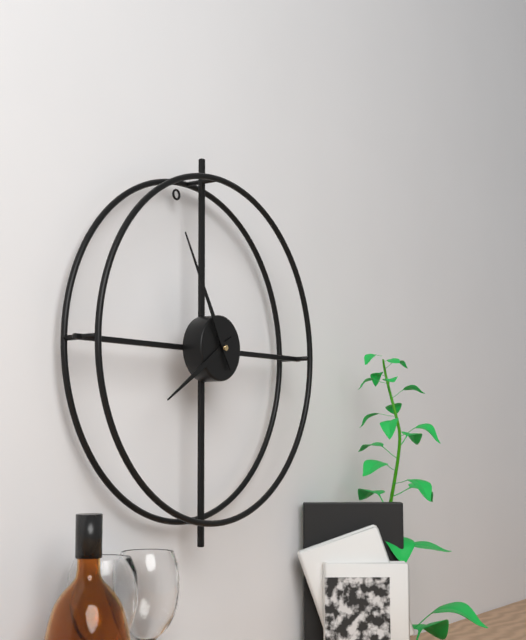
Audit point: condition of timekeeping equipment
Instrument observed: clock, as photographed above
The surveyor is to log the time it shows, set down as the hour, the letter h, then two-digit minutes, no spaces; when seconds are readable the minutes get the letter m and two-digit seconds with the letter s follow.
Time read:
7h55
